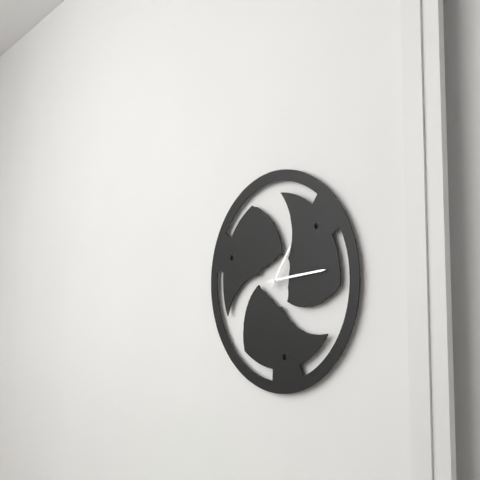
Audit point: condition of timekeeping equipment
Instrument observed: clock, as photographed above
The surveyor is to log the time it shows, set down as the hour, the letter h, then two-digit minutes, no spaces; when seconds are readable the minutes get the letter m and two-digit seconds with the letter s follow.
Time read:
1h14
